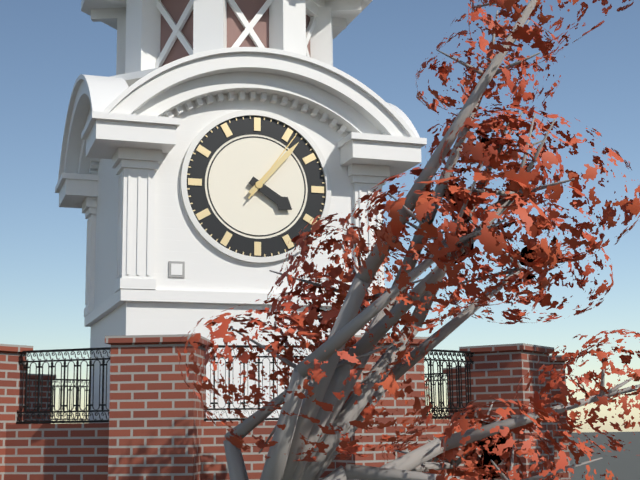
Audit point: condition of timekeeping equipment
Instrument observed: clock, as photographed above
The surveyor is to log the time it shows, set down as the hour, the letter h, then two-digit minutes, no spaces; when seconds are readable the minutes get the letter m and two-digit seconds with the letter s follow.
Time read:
4h07m06s
